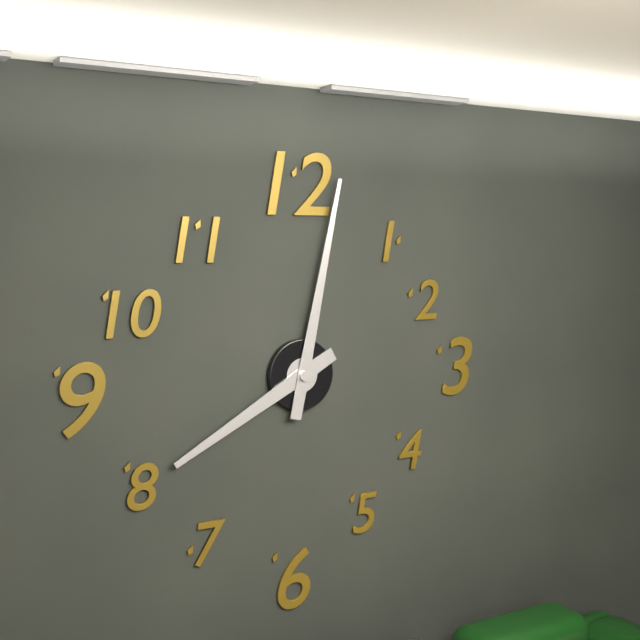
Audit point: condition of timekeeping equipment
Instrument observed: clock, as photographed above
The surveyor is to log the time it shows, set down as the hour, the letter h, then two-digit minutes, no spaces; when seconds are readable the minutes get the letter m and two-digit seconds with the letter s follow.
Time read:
8h02
